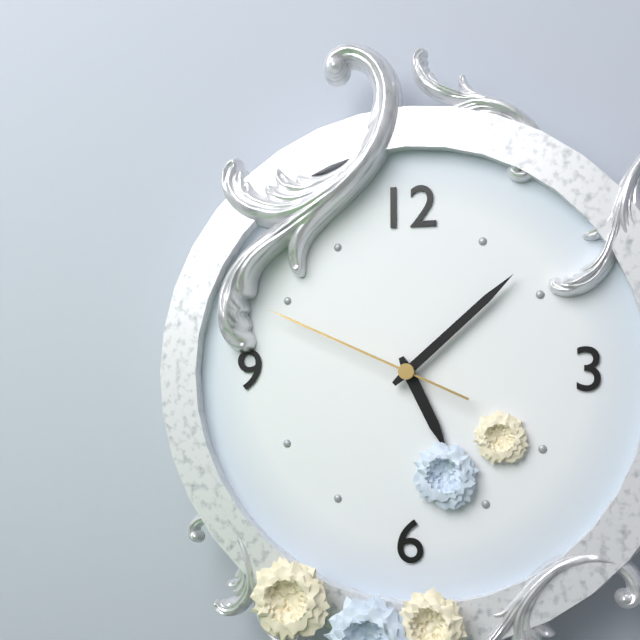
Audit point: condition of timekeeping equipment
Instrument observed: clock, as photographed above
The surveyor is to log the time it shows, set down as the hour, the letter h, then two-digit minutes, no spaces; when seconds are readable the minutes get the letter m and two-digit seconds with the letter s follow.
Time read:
5h08m49s
